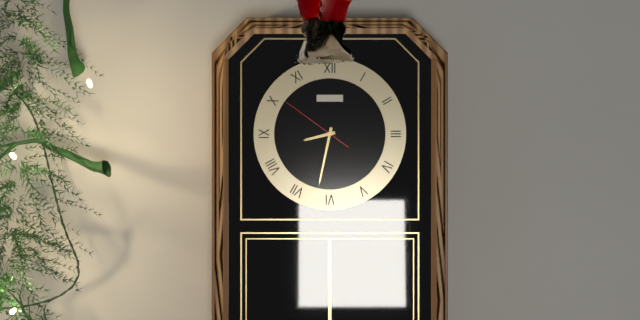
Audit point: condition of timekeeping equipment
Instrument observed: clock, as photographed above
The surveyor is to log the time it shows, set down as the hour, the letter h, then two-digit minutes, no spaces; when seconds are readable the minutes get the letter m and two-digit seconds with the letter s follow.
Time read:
8h32m51s
